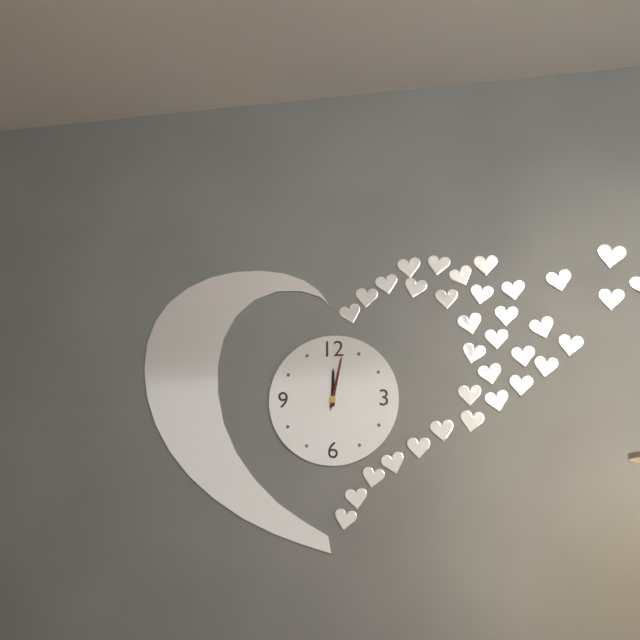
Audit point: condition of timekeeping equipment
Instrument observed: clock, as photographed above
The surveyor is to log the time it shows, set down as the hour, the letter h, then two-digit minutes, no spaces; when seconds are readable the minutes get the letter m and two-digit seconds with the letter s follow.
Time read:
12h02m02s
